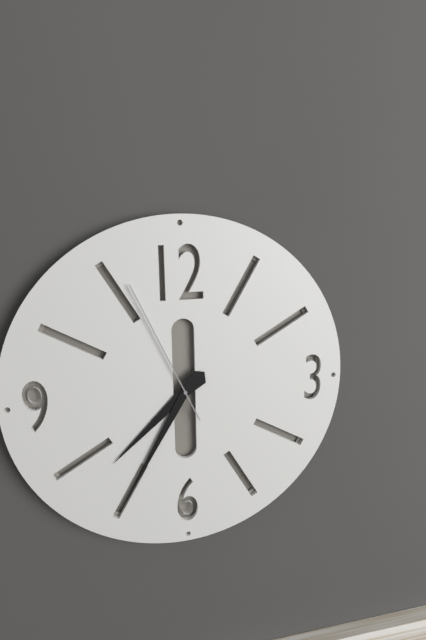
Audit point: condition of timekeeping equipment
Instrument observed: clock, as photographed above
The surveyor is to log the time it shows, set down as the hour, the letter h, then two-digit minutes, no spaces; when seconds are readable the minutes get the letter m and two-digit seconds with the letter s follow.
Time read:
7h35m56s
